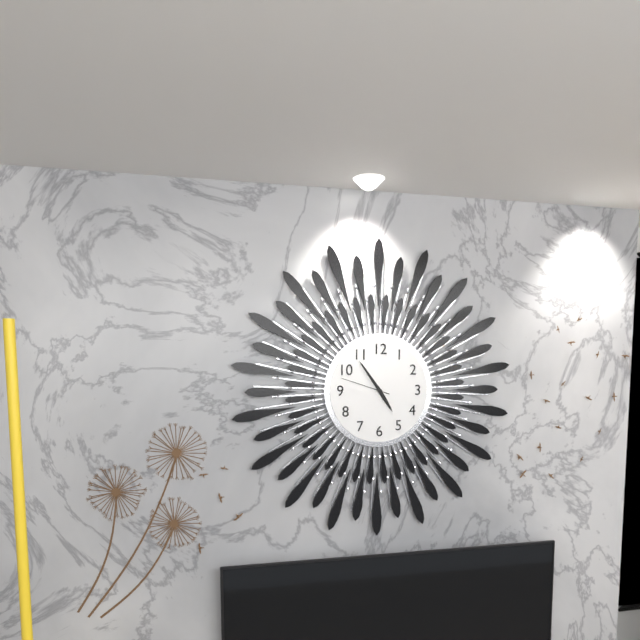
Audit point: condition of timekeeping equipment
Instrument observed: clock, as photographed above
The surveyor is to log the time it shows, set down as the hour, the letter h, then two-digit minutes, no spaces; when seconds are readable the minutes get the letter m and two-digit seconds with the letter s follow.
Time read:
4h54
